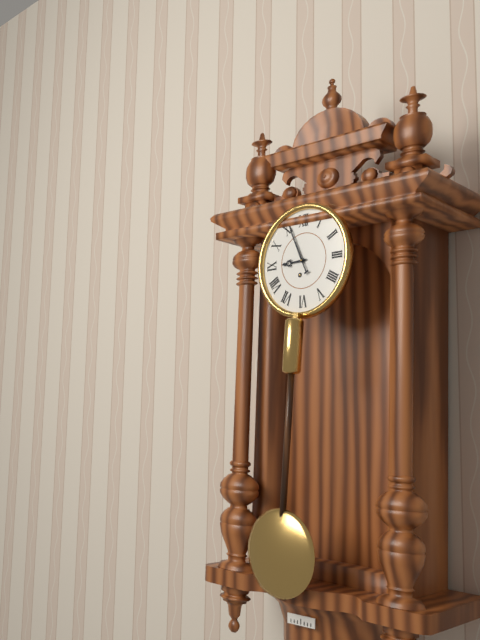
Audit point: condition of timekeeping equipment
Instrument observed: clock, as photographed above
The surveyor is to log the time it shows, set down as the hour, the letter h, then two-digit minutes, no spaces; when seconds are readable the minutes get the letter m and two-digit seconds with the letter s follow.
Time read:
8h56
